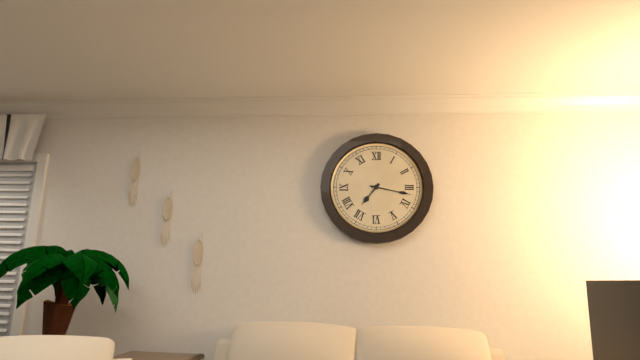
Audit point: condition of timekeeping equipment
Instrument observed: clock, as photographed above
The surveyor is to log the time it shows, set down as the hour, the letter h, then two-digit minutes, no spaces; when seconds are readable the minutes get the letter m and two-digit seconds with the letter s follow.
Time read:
7h17
